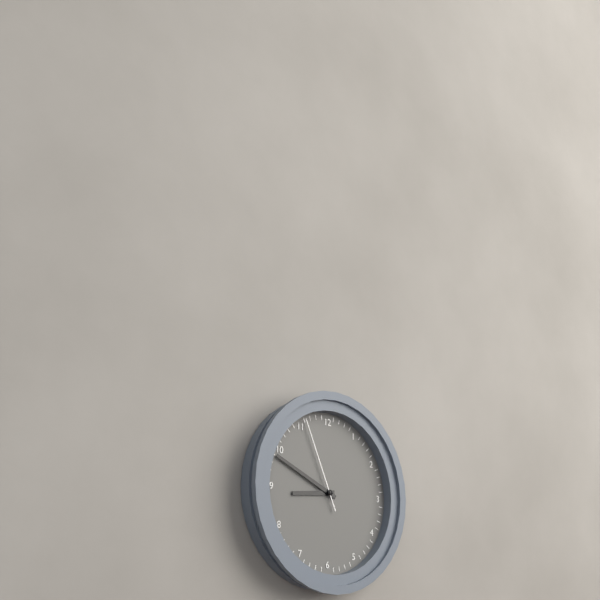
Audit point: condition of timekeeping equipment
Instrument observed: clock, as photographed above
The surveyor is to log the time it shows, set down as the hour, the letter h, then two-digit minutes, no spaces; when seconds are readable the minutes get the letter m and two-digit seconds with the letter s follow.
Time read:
8h49m56s
